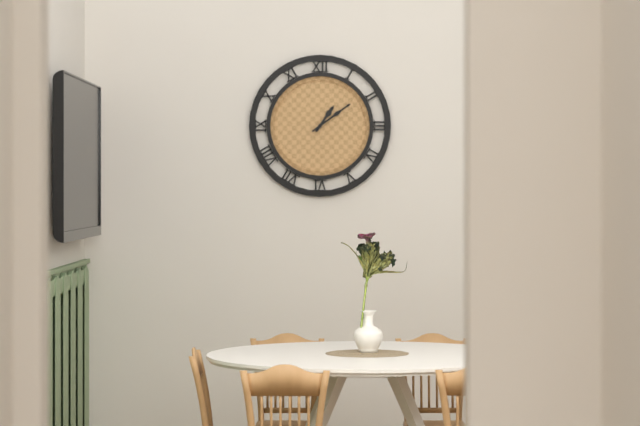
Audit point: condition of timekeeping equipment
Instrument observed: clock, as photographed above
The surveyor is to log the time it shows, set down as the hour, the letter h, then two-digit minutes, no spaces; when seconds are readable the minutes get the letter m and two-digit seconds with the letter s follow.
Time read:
1h09
